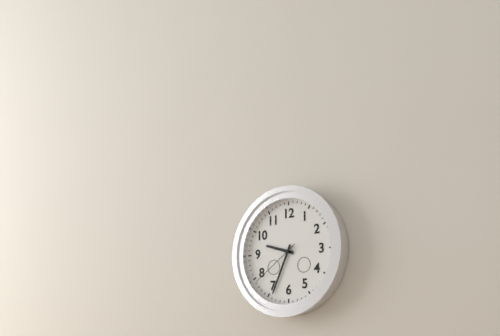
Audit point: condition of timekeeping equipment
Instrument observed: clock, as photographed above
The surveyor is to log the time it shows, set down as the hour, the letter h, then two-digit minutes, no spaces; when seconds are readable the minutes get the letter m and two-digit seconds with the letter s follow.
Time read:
9h34m39s
